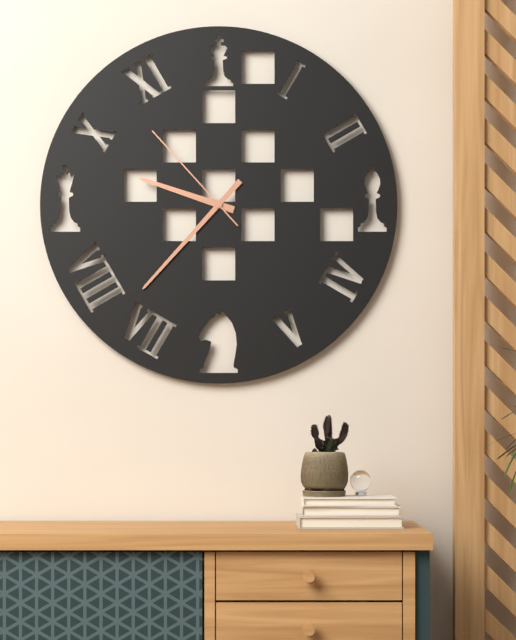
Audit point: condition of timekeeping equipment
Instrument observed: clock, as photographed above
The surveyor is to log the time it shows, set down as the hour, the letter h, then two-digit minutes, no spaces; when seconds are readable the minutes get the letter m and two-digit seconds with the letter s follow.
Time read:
9h37m53s
